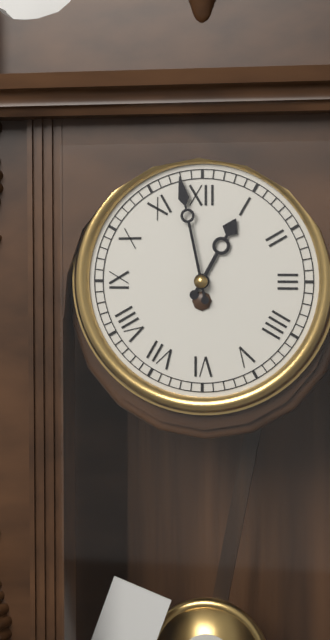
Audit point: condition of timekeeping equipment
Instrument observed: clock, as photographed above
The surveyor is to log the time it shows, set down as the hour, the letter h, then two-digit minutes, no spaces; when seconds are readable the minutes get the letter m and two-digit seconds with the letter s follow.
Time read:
12h58
